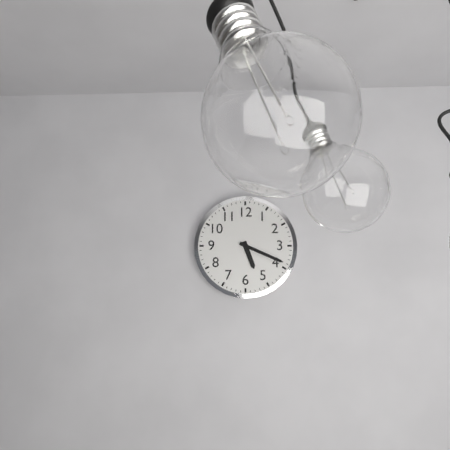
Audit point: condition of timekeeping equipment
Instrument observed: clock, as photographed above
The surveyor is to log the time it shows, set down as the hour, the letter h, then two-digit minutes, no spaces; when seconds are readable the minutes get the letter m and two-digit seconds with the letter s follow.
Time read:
5h19
